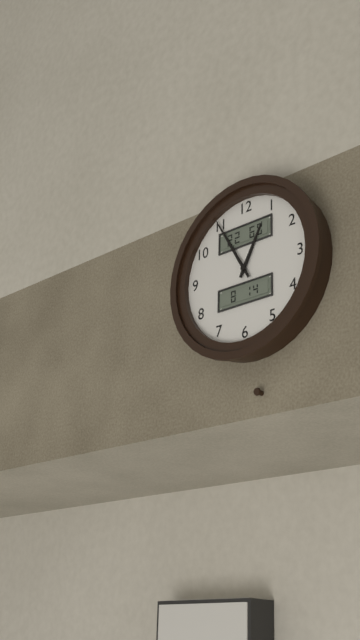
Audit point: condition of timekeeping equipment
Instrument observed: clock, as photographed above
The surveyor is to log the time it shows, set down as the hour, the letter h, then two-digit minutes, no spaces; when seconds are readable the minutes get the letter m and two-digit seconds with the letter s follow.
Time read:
12h55
